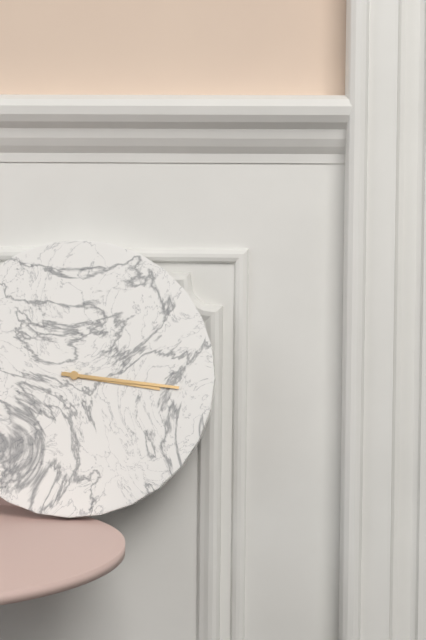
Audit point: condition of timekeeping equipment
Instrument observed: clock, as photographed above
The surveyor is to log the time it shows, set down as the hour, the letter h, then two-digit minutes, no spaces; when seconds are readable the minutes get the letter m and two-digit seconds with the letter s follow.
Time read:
3h16
